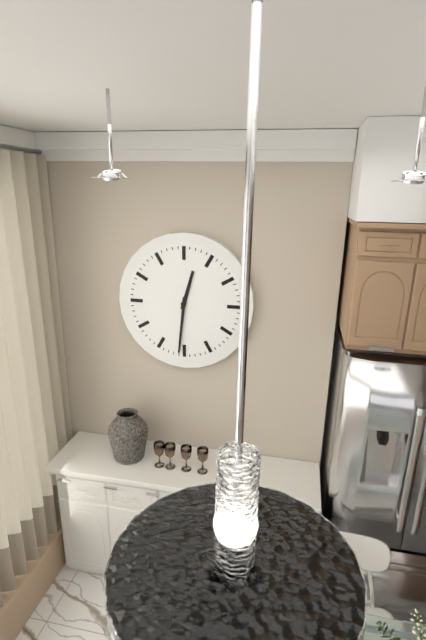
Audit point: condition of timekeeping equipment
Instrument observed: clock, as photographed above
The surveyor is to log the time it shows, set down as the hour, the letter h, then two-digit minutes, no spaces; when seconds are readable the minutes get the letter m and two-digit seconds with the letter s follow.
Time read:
12h31
